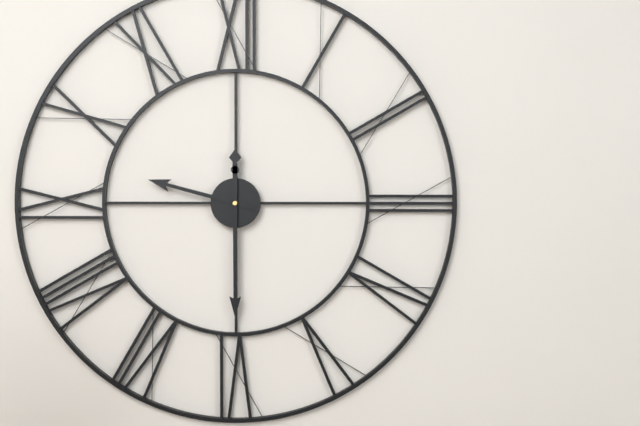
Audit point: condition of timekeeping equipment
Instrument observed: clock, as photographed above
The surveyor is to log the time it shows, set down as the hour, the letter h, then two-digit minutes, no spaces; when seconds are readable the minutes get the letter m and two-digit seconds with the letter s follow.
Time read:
9h30
